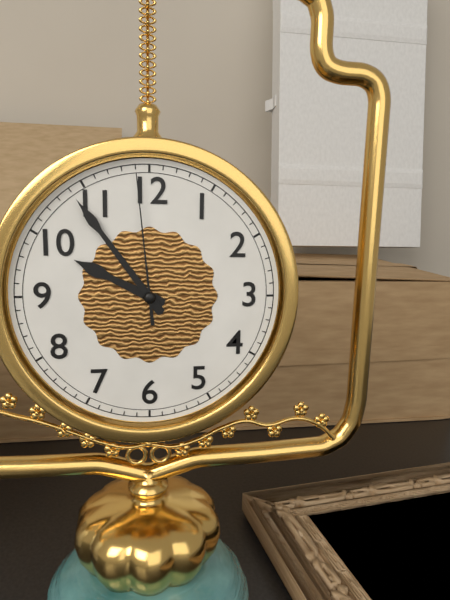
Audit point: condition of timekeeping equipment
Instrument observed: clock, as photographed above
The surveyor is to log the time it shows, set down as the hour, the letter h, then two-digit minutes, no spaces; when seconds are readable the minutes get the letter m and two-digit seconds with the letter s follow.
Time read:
9h54m59s
